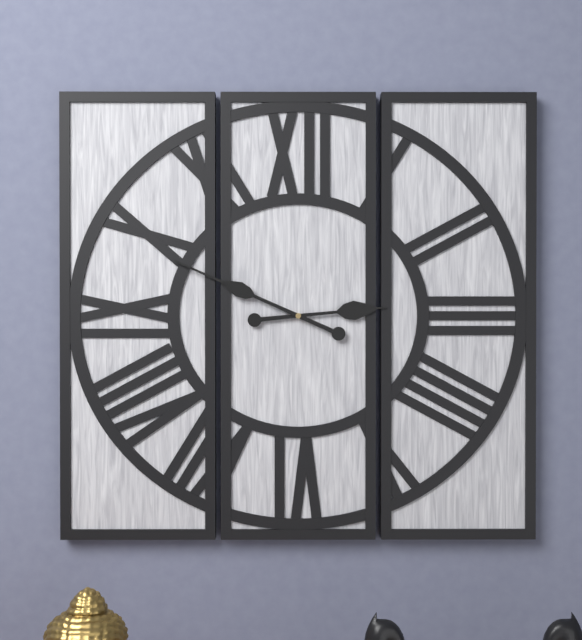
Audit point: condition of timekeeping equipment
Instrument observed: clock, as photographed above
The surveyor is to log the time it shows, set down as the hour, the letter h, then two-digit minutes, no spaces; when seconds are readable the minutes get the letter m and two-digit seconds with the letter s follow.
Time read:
2h49
